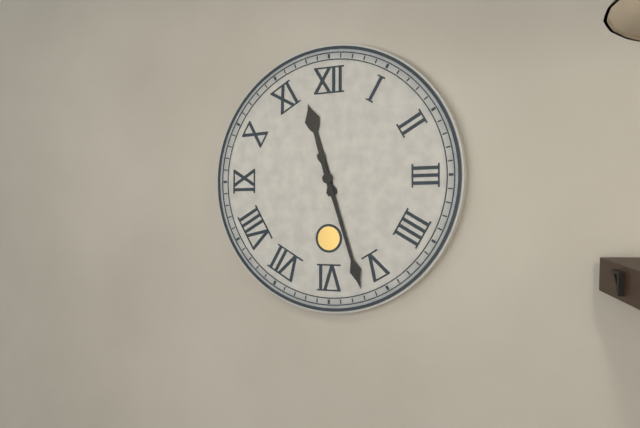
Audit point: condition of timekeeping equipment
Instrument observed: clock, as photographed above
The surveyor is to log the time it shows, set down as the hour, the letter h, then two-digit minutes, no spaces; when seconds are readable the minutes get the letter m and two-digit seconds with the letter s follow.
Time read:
11h27
